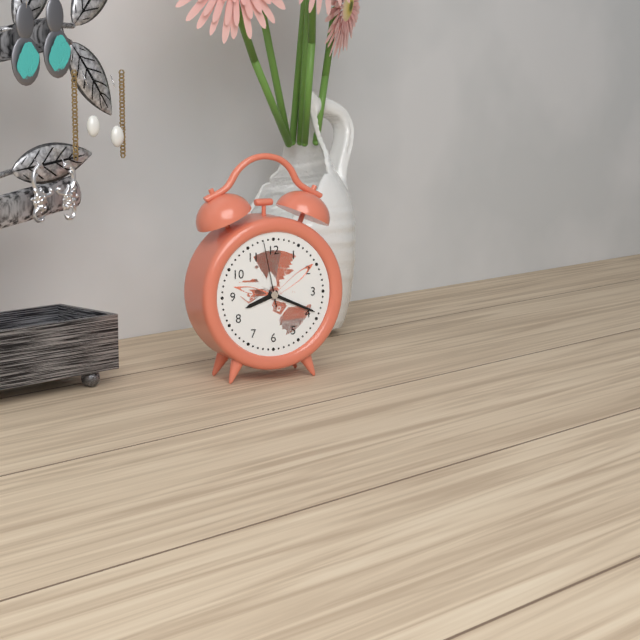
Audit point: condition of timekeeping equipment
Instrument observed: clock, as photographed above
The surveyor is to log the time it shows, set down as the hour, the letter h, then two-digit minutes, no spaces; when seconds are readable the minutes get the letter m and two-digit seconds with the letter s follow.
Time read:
8h19m58s
